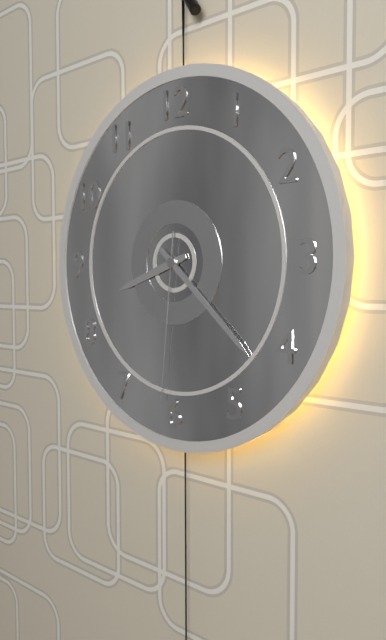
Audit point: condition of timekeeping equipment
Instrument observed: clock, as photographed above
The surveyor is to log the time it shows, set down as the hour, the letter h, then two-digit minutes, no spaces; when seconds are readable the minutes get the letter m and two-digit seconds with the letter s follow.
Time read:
8h22m31s
